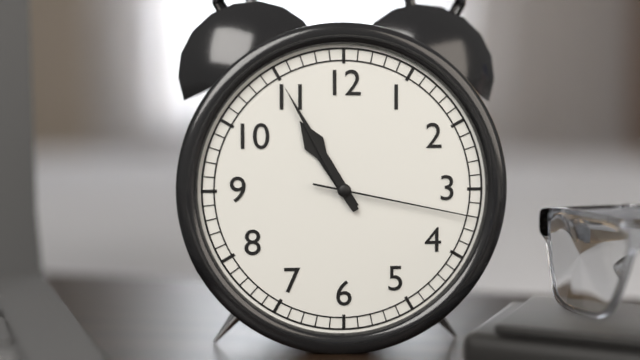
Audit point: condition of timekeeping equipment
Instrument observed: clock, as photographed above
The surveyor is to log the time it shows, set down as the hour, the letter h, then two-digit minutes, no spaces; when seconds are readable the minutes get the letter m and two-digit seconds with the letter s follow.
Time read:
10h55m17s
